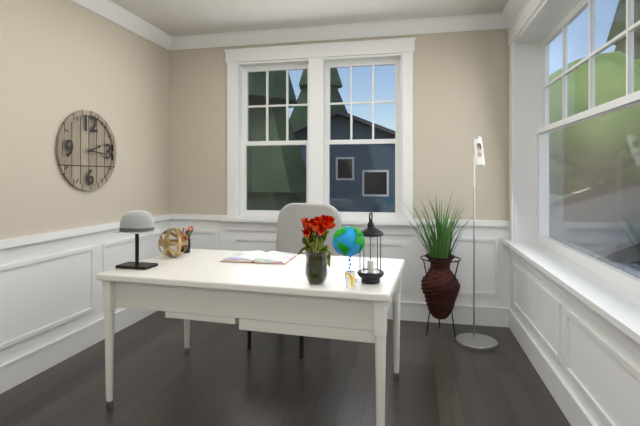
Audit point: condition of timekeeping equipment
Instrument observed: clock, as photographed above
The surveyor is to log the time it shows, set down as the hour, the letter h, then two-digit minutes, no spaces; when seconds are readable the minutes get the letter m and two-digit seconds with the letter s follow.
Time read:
2h16
